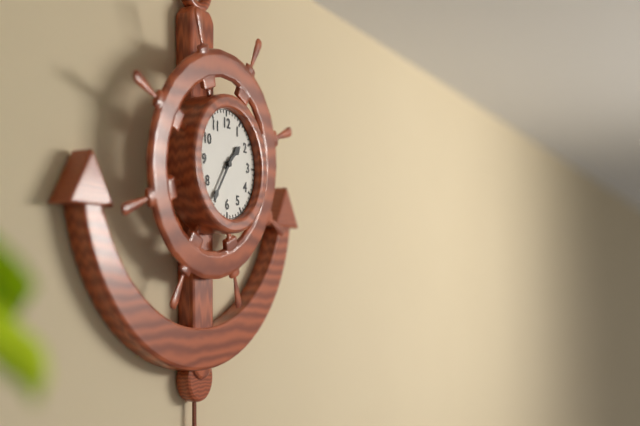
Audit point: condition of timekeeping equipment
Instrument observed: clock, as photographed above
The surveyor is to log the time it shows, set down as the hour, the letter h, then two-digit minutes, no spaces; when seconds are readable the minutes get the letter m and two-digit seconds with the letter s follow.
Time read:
1h36
